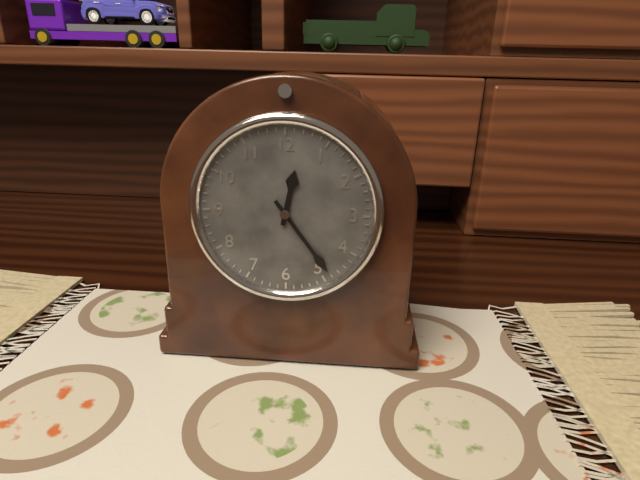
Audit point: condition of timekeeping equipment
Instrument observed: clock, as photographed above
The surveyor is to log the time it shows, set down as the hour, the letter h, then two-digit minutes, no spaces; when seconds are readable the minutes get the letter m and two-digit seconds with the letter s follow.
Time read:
12h24
